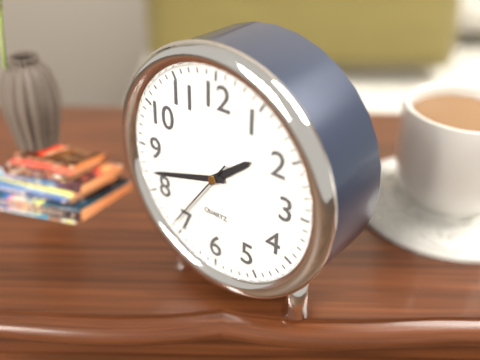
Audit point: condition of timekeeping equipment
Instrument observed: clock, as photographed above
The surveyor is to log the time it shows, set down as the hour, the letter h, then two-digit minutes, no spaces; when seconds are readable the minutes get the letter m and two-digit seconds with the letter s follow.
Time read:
1h42m36s
